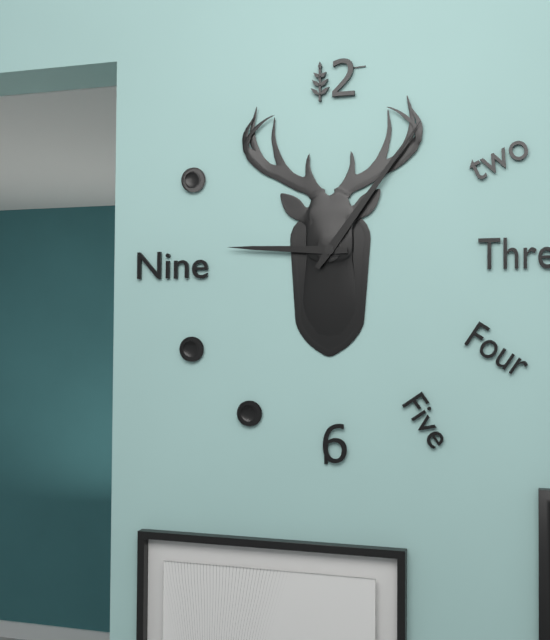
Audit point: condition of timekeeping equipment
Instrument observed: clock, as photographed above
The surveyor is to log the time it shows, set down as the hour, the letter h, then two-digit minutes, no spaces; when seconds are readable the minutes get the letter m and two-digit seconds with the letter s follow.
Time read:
9h06
